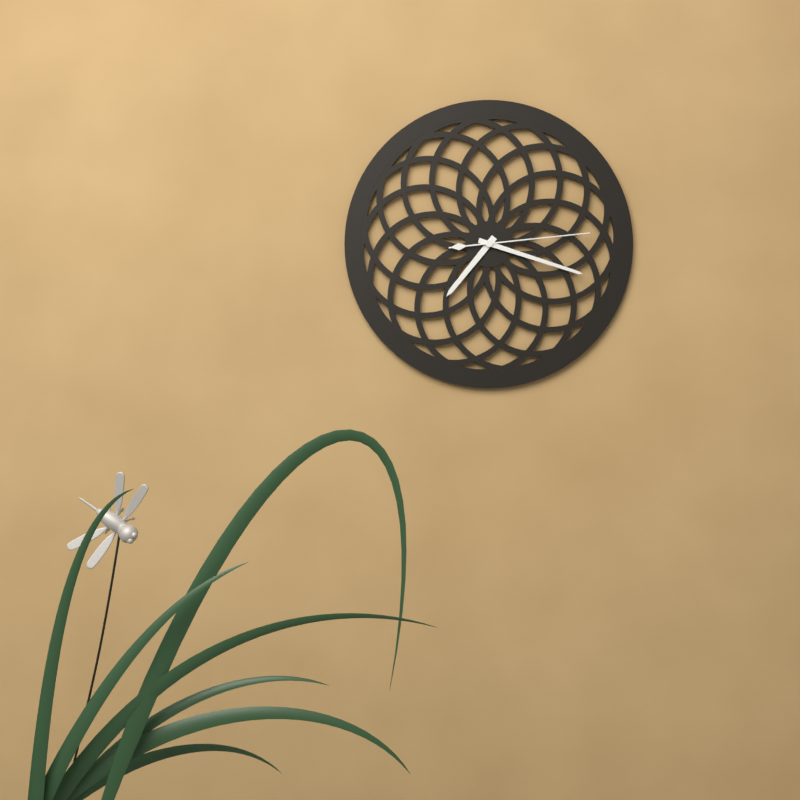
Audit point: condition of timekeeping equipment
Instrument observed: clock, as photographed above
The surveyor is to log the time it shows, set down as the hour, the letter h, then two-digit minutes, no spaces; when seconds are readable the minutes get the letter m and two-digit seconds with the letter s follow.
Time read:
7h18m14s
